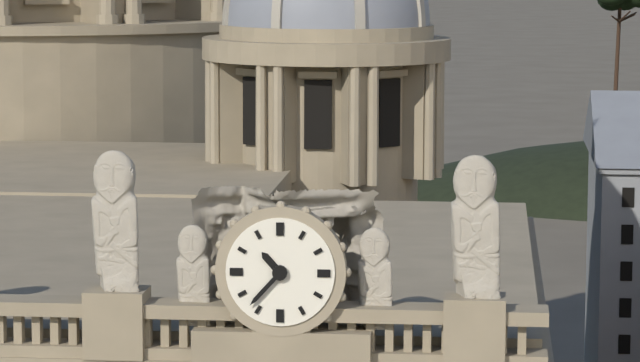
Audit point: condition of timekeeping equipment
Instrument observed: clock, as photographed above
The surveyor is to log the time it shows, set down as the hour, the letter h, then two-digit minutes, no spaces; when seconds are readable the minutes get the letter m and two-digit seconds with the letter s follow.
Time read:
10h37
